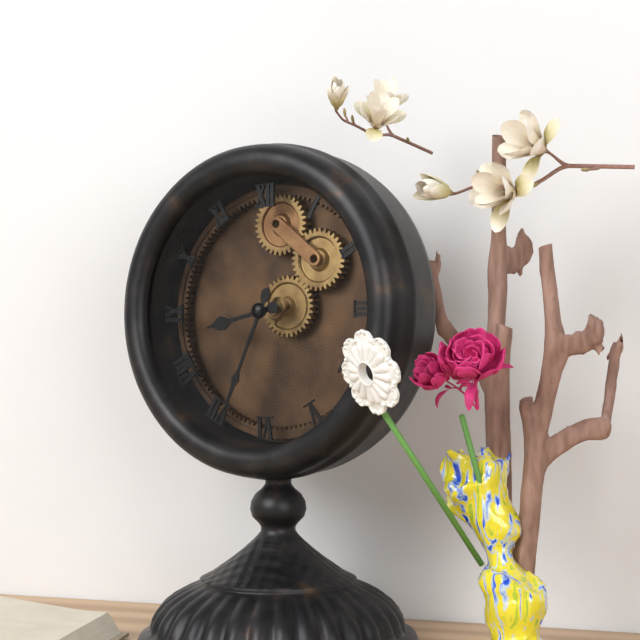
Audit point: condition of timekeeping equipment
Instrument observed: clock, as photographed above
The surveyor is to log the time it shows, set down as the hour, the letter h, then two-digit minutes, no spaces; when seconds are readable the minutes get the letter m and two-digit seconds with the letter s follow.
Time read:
8h34
